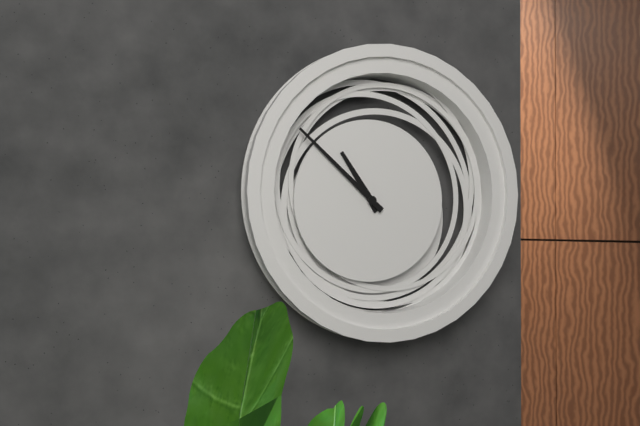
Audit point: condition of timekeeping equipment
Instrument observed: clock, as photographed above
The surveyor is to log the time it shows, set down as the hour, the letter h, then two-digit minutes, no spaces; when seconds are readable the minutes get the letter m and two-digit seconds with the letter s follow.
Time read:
10h52
